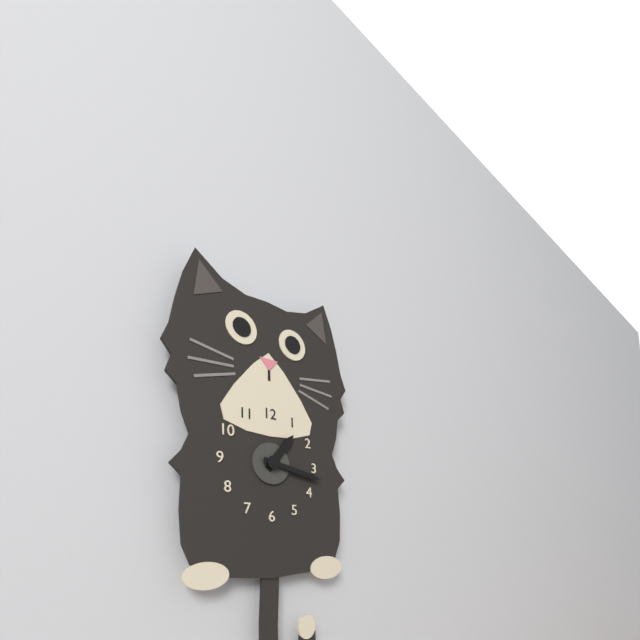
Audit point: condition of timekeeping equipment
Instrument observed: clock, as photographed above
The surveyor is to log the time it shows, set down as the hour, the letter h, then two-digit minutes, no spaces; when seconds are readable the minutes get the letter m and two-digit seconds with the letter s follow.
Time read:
1h17
